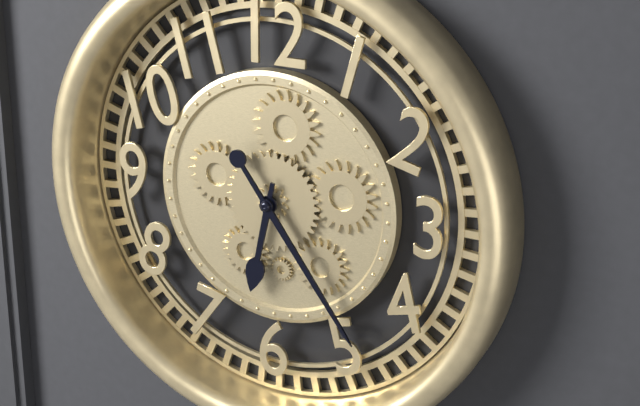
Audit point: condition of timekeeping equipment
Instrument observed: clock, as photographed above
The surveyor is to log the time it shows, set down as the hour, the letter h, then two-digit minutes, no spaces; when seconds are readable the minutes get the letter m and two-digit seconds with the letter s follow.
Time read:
6h24
